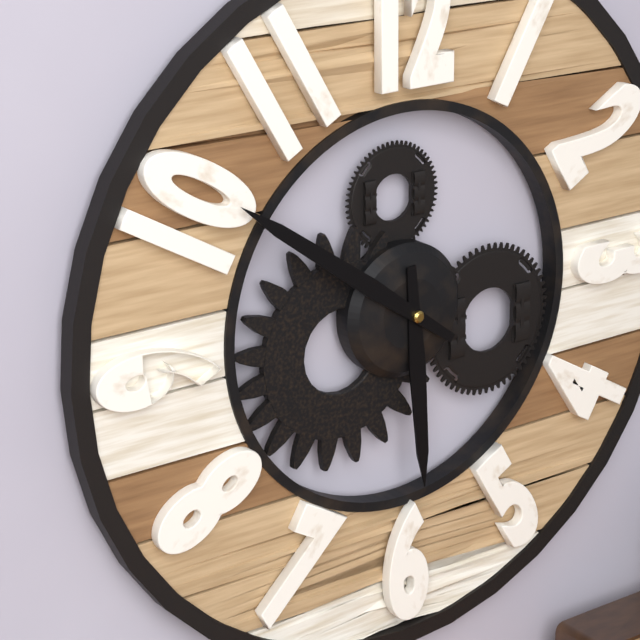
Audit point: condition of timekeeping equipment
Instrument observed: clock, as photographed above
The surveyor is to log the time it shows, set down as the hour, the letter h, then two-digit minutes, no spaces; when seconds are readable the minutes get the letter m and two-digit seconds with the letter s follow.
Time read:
5h51
